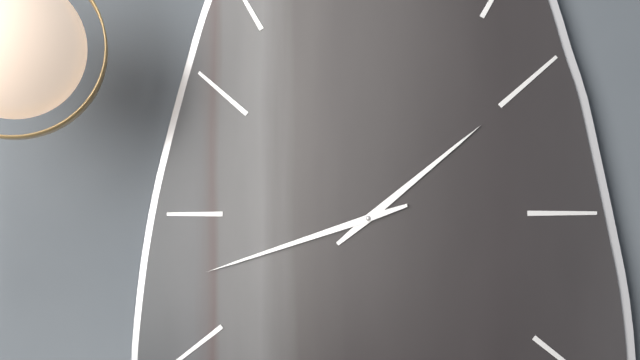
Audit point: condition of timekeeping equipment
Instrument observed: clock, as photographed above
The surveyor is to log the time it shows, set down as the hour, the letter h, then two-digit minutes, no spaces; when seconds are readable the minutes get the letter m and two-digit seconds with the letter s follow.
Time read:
1h42
